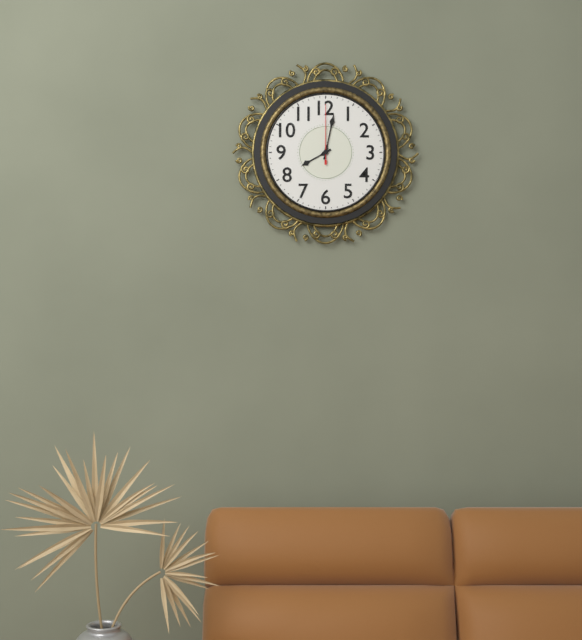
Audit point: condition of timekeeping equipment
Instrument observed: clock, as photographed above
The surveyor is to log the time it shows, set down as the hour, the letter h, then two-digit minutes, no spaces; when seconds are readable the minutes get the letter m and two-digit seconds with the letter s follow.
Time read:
8h02m00s
